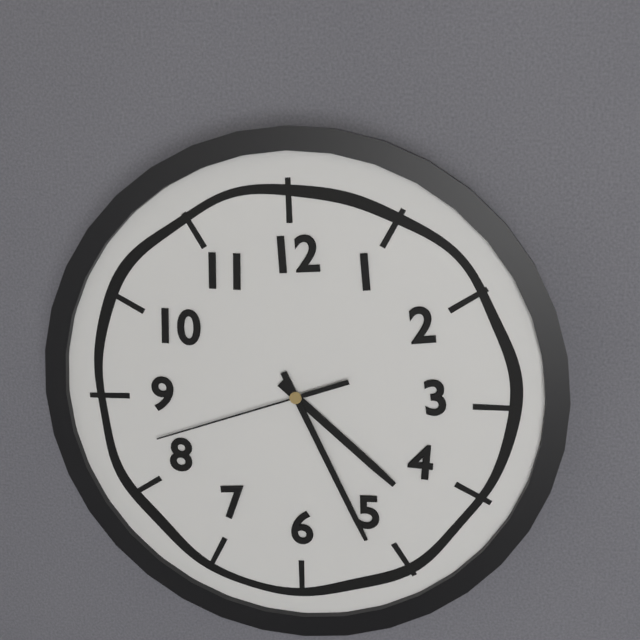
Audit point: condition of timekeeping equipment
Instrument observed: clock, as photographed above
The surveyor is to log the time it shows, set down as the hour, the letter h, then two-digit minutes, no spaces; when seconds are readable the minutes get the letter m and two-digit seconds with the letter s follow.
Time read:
4h26m42s
